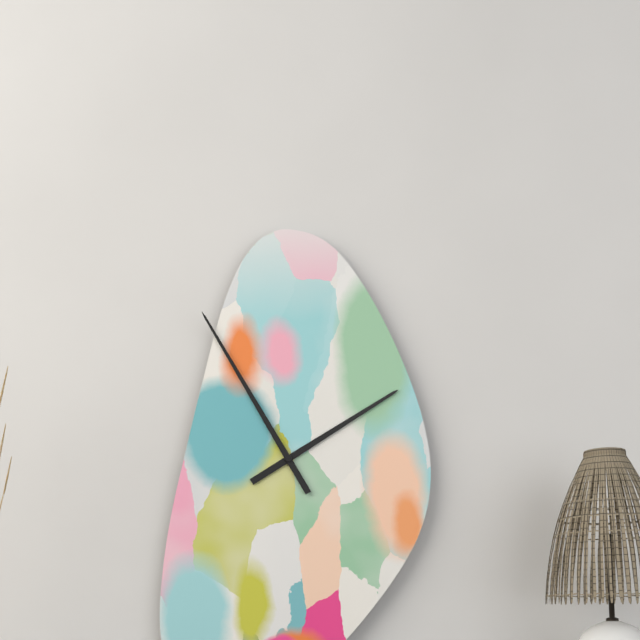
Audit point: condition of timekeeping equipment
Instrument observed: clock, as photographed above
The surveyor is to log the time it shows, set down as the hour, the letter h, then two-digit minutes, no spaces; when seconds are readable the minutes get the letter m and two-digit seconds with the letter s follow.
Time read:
1h55
